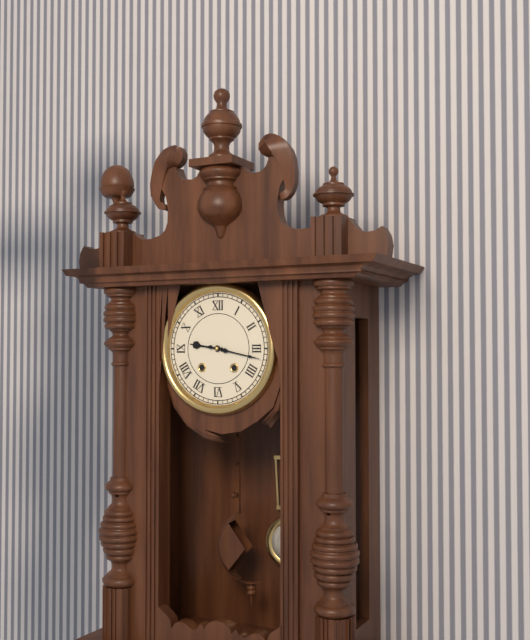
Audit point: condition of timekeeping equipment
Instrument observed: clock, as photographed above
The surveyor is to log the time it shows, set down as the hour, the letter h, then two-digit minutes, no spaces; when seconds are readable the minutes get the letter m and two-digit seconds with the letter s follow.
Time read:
9h17
